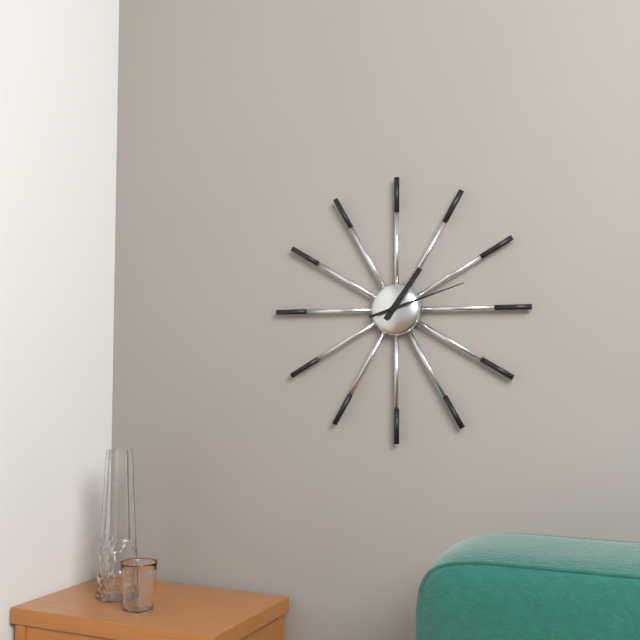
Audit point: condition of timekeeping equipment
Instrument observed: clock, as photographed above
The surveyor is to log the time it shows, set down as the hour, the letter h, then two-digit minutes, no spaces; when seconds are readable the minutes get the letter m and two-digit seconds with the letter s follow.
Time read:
1h12
